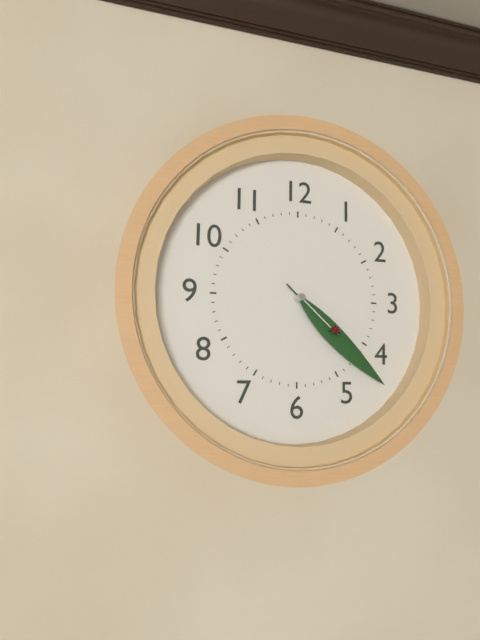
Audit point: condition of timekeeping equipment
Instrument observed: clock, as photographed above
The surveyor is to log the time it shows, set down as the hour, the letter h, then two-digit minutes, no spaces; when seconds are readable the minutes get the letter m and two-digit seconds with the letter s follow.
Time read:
4h22m22s
